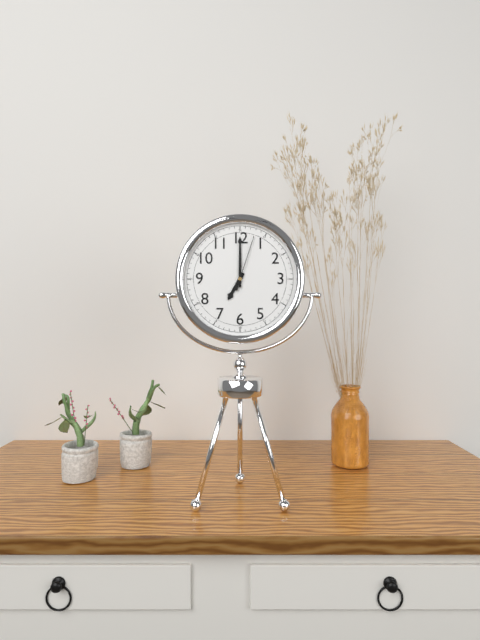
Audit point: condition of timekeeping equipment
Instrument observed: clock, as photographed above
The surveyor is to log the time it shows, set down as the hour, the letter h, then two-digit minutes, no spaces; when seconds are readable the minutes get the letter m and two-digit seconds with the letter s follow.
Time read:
7h00m03s
